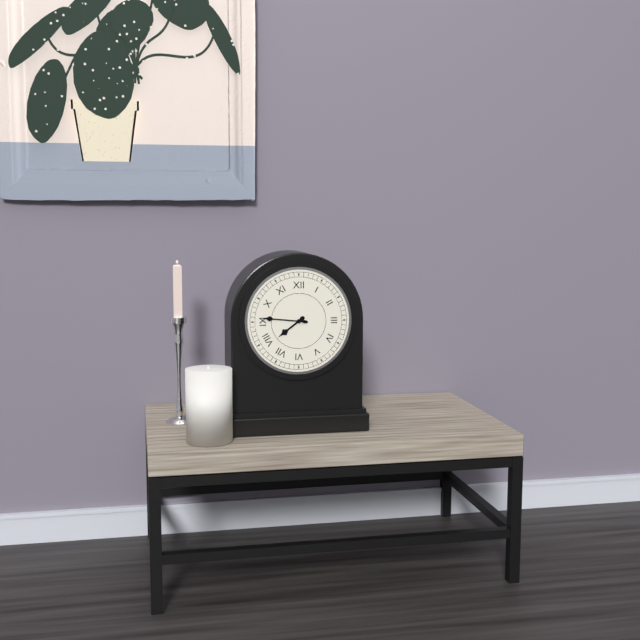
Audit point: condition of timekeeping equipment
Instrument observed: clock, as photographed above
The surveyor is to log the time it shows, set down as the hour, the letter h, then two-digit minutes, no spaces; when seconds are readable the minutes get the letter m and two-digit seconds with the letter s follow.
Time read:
7h46
